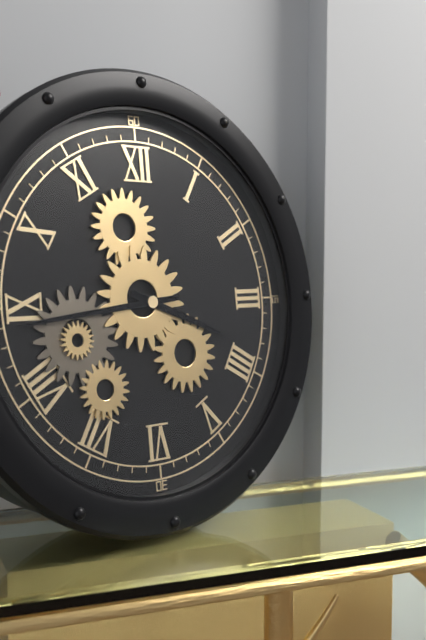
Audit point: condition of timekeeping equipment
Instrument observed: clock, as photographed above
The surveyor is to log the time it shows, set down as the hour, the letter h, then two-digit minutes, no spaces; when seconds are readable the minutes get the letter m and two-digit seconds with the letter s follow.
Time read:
3h44
